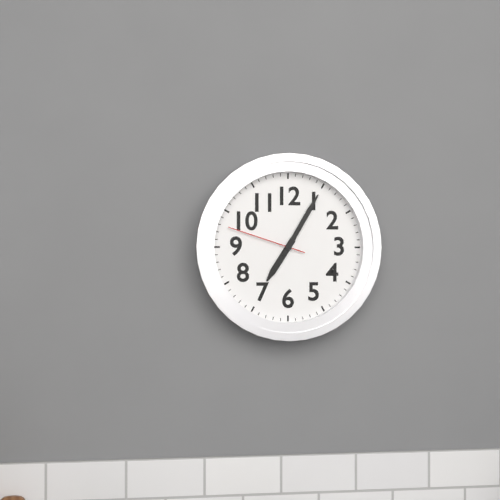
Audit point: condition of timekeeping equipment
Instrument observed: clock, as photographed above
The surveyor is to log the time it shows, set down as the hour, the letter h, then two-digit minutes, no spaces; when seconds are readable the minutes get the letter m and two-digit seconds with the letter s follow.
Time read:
7h05m48s
